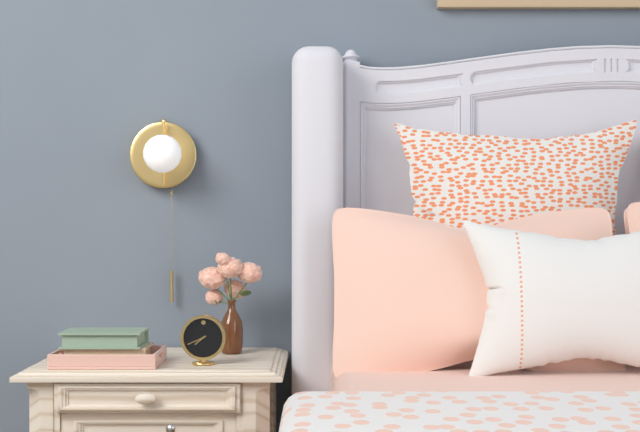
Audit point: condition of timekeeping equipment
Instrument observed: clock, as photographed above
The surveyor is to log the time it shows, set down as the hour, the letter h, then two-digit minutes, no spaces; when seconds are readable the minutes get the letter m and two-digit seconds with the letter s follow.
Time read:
7h41
